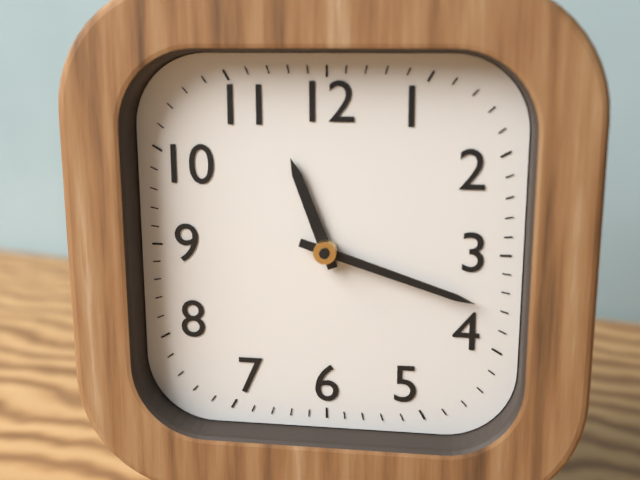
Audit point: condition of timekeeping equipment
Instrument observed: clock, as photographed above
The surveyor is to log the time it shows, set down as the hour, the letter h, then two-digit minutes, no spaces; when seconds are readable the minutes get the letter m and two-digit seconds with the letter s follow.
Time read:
11h18
